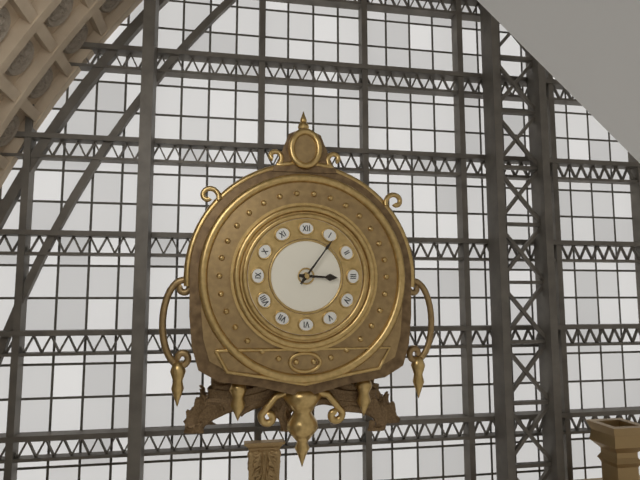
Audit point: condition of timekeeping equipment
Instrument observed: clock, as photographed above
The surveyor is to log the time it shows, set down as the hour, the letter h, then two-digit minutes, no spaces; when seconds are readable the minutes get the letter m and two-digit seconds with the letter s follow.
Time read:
3h06
